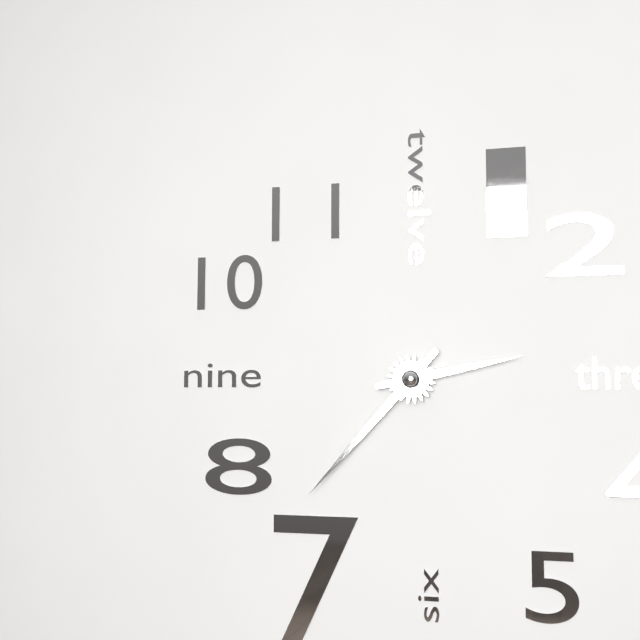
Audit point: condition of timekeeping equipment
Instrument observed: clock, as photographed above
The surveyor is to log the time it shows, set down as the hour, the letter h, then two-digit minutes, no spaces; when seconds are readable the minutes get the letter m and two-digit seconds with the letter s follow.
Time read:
2h37
